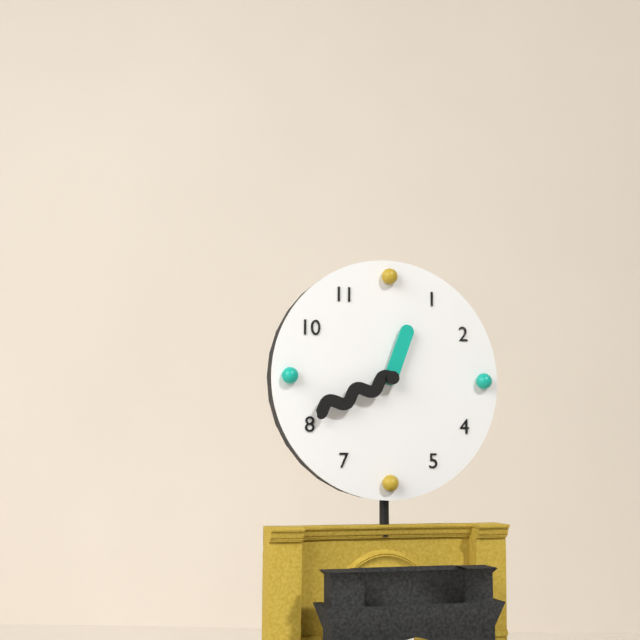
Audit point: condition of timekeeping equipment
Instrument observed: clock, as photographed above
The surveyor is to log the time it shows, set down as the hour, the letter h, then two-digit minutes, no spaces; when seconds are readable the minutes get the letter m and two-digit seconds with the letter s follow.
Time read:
12h41
